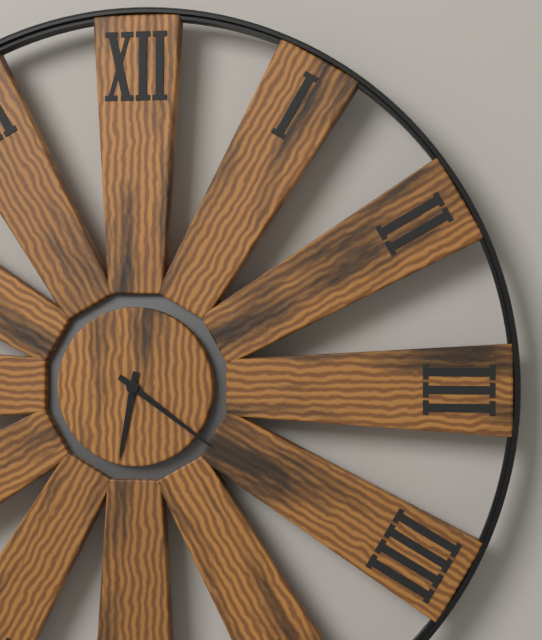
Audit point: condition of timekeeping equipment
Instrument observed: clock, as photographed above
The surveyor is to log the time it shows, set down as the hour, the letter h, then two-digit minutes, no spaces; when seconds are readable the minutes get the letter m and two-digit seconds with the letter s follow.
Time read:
6h21
